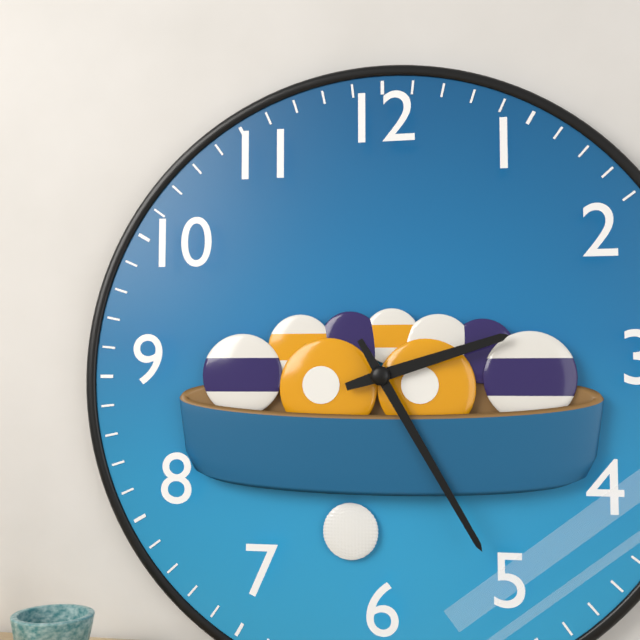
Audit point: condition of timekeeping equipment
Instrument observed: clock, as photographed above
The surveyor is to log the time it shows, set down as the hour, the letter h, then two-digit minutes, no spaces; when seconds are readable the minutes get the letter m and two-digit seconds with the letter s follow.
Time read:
2h25
